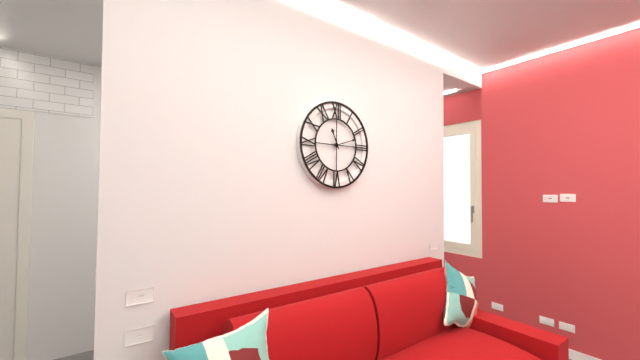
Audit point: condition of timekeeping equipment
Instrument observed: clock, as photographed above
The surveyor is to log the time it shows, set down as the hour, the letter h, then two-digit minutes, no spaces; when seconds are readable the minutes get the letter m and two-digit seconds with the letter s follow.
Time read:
11h12
